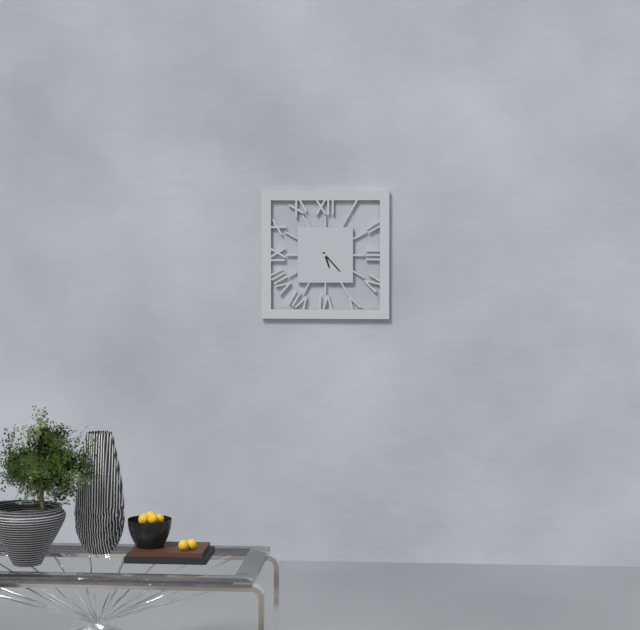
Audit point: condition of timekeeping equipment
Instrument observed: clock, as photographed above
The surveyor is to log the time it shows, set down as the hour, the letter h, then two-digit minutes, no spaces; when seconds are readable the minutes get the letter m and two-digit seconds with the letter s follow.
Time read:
5h23
